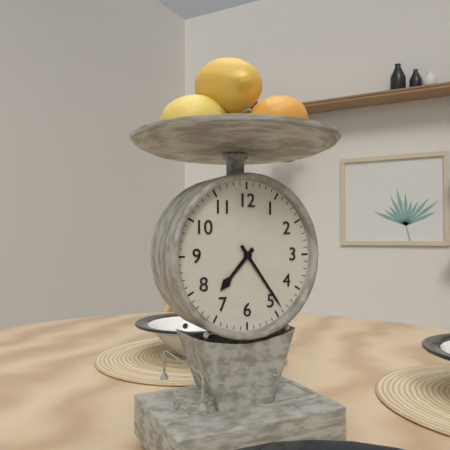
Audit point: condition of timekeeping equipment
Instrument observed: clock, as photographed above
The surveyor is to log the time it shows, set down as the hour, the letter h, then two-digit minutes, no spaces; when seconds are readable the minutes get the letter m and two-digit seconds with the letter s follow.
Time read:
7h24
